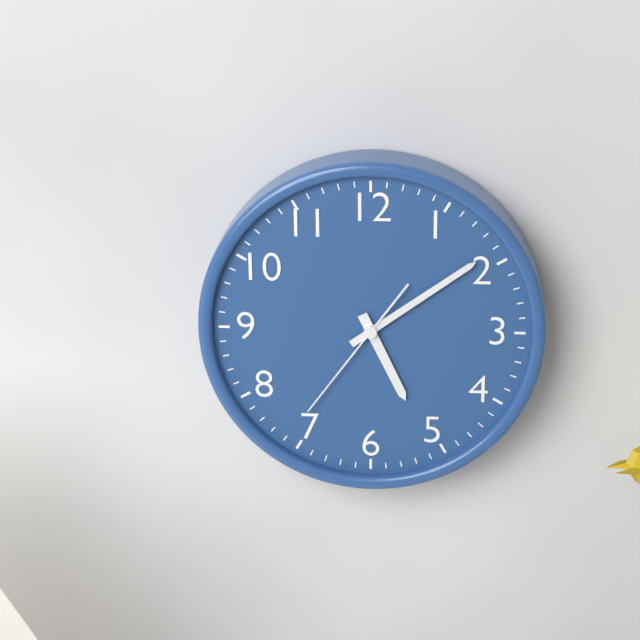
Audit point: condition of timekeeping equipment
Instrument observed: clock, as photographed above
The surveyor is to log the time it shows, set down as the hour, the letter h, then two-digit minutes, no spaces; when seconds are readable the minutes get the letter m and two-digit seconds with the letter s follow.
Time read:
5h09m36s
